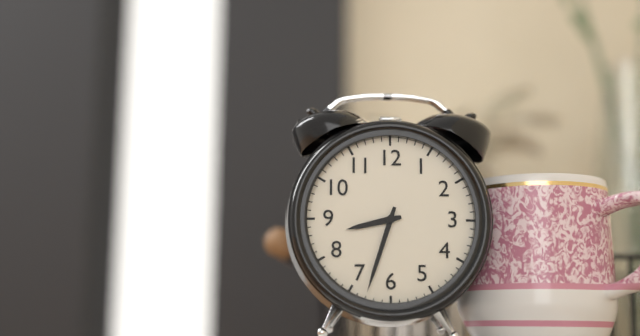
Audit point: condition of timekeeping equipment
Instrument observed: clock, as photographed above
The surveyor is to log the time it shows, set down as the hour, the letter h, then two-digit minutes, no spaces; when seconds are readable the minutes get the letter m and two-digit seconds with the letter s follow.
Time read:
8h33
